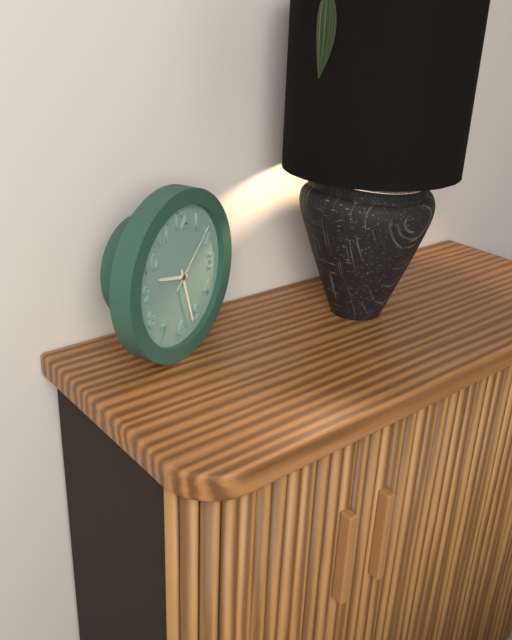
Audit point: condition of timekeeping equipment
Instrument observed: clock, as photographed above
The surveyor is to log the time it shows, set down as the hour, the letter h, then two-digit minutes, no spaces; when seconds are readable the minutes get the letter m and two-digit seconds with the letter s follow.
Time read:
9h27m08s
